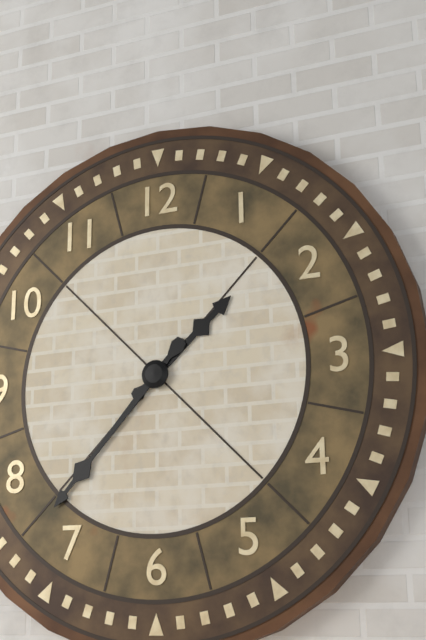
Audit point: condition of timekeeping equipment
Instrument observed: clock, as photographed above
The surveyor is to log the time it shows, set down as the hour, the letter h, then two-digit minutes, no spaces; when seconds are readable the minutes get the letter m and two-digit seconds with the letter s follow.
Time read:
1h37
